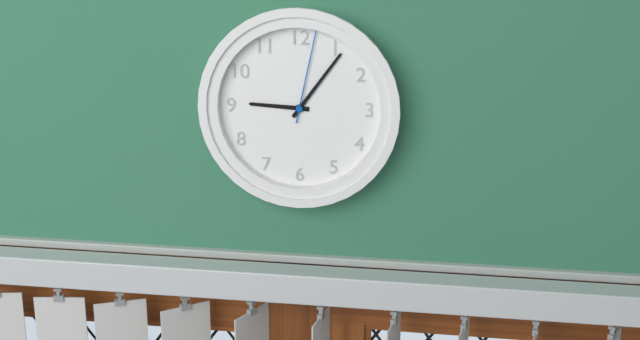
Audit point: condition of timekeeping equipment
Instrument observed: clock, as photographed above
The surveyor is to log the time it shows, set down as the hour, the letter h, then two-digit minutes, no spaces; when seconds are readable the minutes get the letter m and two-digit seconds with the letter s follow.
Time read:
9h06m02s
